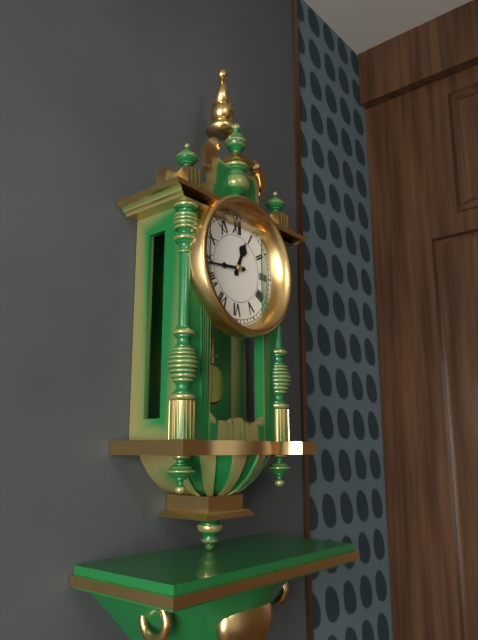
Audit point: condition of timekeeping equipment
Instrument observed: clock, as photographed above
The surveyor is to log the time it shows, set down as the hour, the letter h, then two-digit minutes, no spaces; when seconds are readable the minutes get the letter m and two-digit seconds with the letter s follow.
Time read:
12h44
